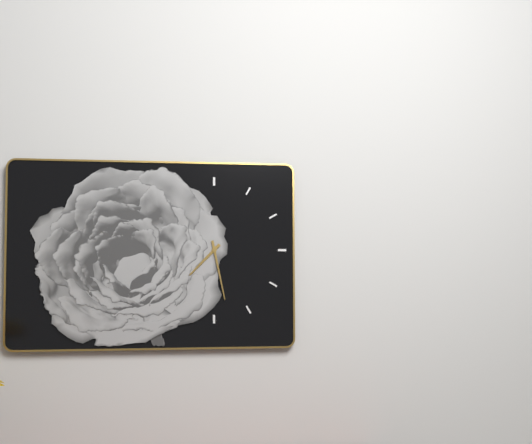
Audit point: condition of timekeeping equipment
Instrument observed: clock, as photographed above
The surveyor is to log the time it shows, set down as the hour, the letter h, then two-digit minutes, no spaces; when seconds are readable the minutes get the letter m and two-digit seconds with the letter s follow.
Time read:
7h28
